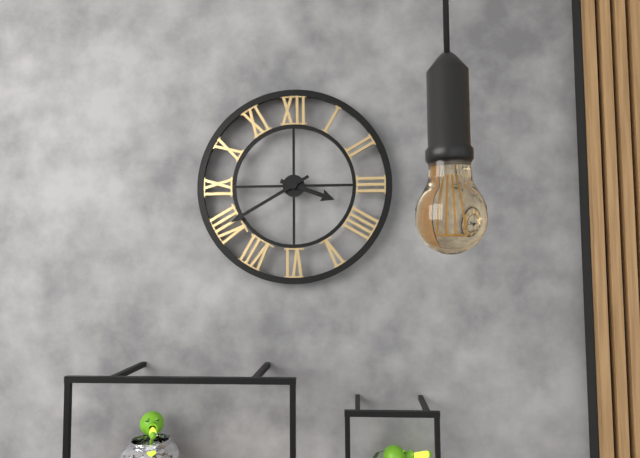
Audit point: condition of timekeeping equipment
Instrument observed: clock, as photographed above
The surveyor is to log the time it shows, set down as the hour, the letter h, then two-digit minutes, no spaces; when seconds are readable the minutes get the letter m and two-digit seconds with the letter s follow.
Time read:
3h40
